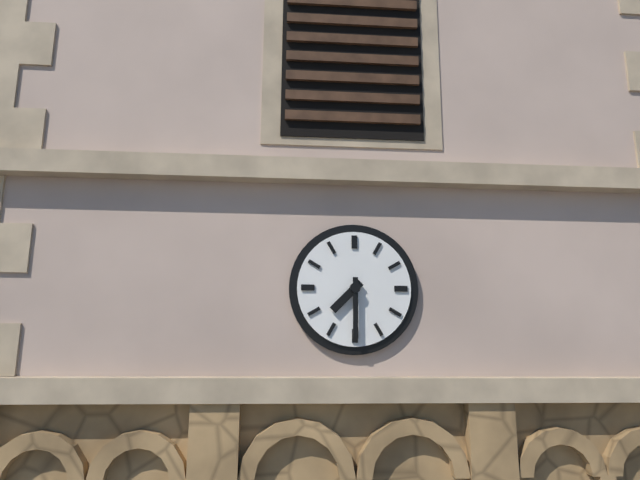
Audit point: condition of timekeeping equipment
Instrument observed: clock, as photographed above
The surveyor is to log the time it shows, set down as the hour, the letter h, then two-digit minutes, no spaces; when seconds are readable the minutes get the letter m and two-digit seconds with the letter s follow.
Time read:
7h30
